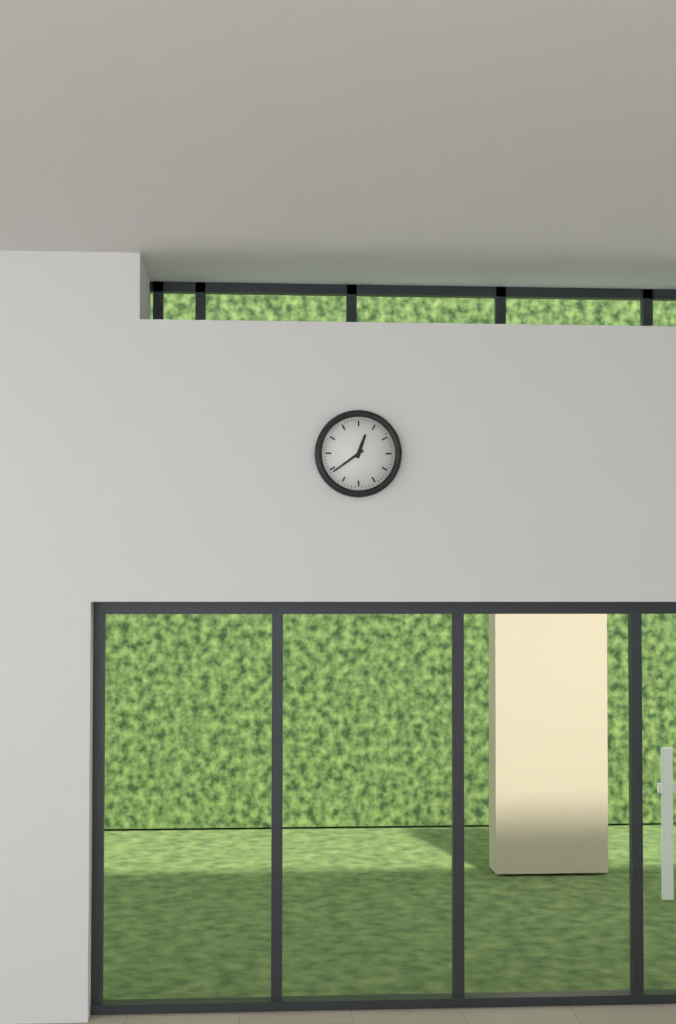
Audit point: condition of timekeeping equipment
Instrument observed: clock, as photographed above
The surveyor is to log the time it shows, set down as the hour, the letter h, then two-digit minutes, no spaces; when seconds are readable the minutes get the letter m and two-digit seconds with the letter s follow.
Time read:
12h39
